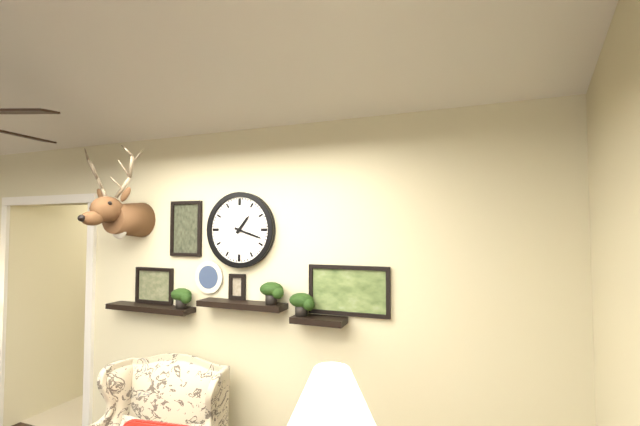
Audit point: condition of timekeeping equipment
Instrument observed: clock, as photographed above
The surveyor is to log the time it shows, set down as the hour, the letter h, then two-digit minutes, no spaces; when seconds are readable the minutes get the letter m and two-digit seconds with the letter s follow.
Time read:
1h18
